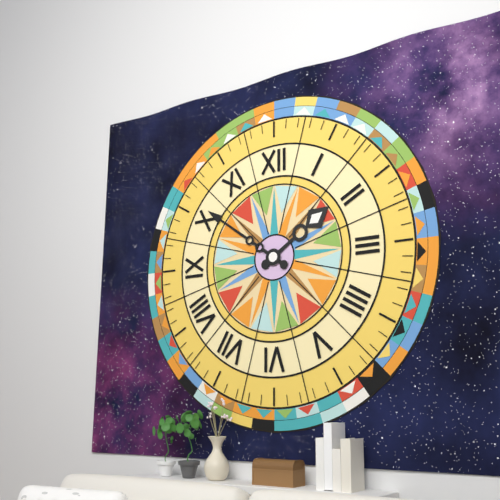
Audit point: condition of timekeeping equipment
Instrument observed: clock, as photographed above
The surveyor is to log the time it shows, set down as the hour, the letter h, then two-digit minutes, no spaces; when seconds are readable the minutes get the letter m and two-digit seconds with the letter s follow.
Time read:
1h51
